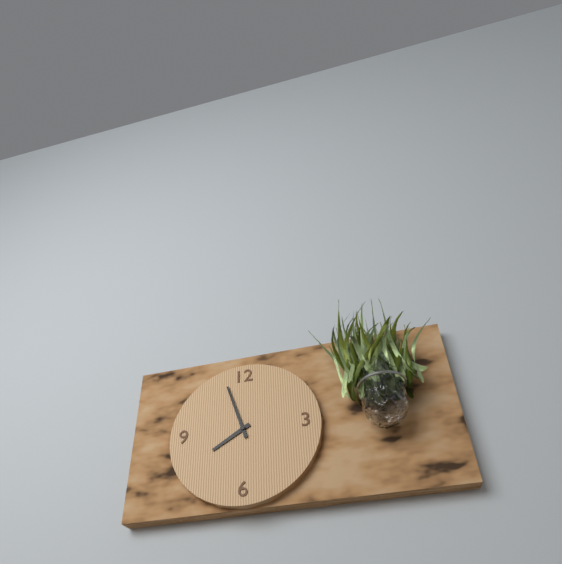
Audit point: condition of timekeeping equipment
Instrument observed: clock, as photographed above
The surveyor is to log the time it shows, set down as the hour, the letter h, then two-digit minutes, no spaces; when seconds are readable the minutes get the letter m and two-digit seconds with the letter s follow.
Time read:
7h57
